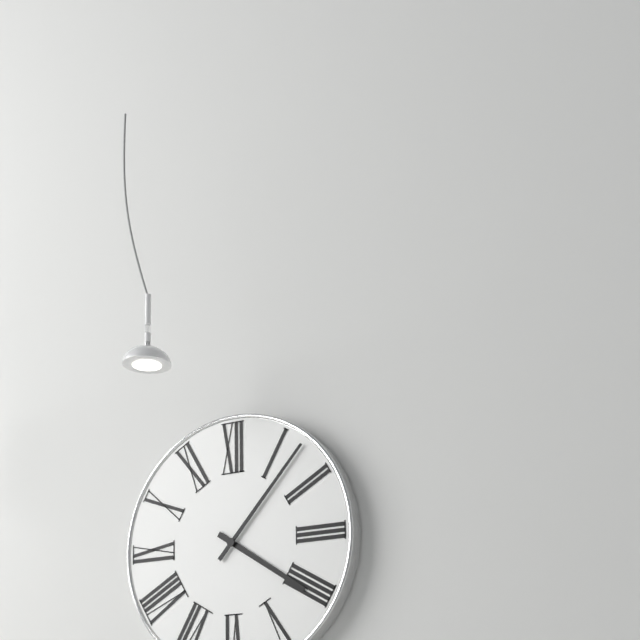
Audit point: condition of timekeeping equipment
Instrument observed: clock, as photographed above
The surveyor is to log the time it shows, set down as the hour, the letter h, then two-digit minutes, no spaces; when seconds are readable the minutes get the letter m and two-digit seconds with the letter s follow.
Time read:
4h07
